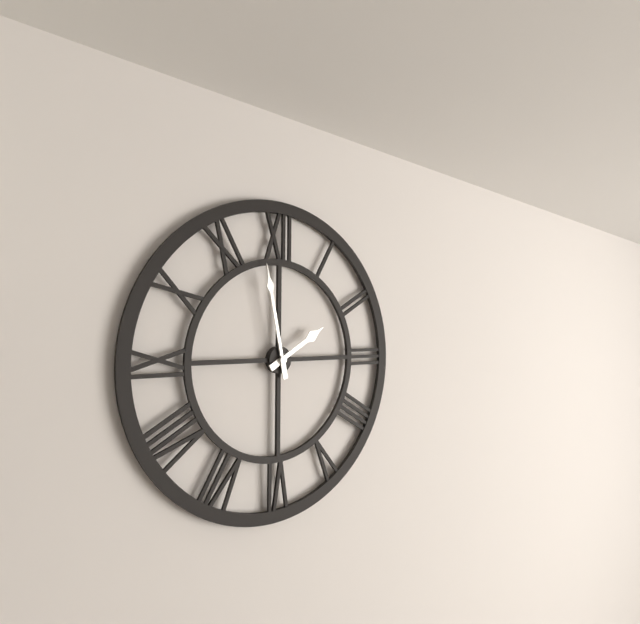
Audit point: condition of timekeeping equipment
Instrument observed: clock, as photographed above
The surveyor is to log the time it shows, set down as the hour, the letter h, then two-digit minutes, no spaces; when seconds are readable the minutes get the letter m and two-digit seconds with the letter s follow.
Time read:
1h58
